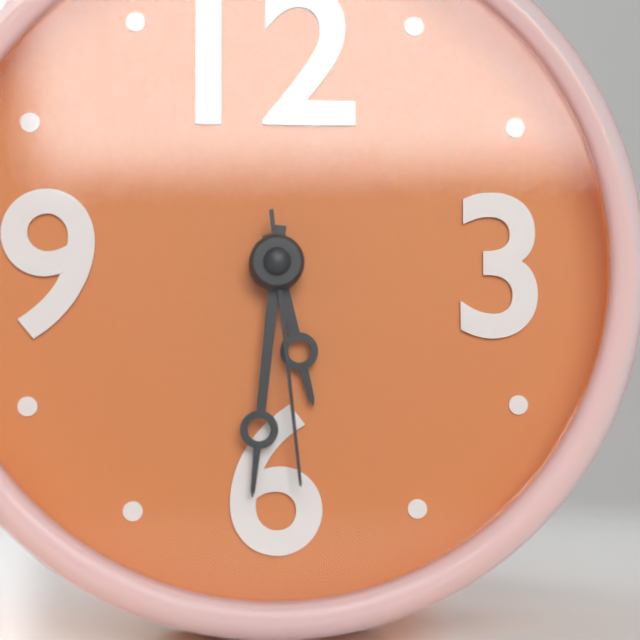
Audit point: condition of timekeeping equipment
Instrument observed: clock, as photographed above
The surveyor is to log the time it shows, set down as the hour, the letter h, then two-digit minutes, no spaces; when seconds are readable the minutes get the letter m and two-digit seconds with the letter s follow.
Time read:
5h31m29s
